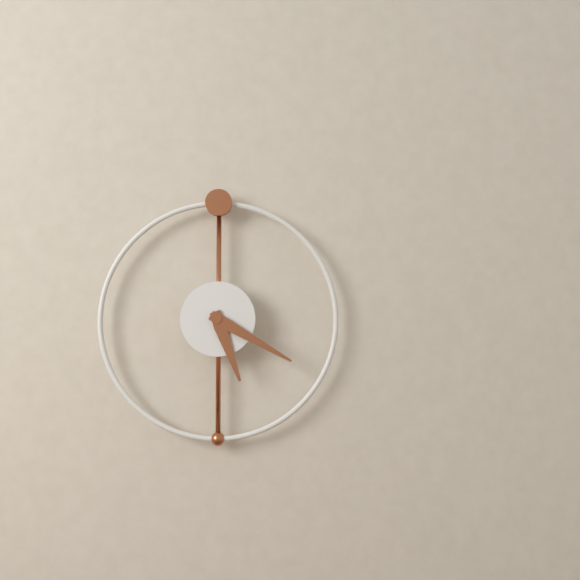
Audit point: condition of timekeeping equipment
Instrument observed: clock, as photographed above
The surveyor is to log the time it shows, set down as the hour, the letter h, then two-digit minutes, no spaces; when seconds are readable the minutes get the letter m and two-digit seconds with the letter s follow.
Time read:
5h20
